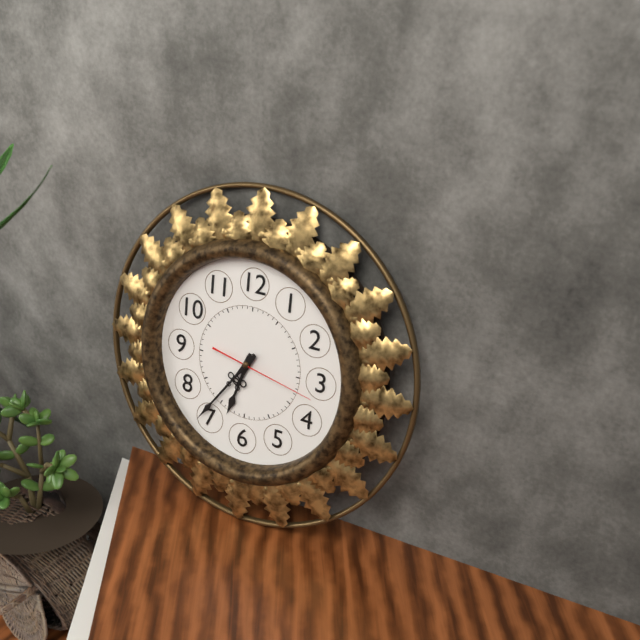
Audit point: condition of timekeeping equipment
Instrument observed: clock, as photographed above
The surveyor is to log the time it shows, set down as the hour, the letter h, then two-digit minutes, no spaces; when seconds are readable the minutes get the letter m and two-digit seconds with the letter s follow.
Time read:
6h36m17s
